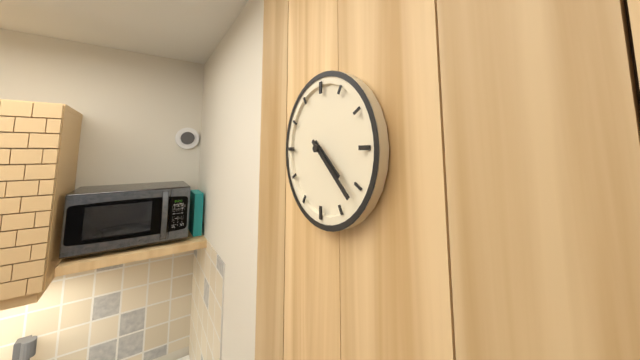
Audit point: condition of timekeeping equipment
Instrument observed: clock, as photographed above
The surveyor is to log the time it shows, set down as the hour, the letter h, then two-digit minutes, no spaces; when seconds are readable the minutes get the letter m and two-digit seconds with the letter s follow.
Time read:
4h22
